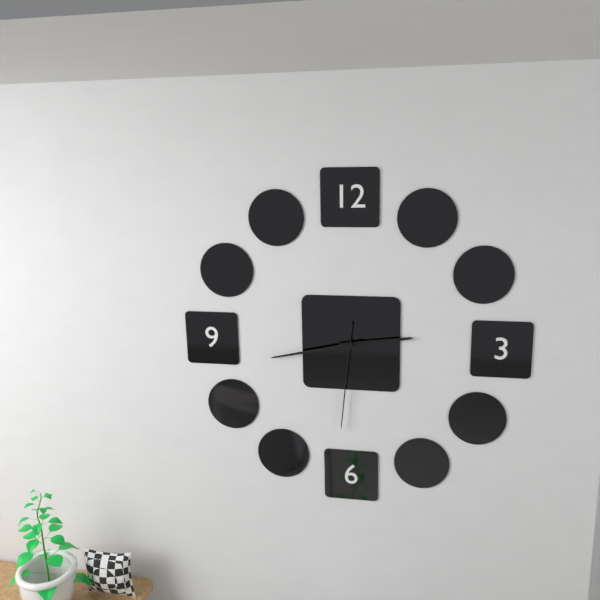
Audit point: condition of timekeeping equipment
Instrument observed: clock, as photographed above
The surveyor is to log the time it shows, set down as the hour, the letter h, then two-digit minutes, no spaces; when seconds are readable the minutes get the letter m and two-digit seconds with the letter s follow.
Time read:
2h43m31s
